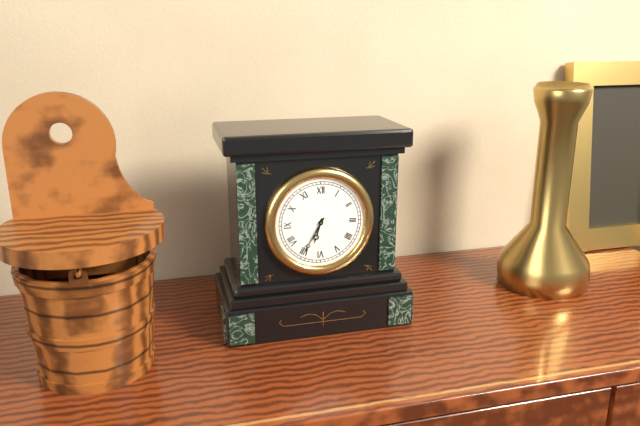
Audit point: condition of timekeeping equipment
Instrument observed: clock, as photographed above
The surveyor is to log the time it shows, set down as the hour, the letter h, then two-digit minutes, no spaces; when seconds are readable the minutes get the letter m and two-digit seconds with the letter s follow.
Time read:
6h35
